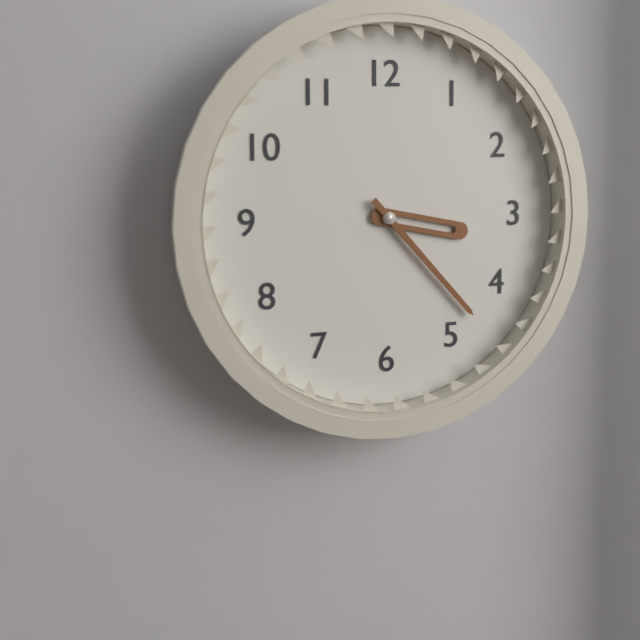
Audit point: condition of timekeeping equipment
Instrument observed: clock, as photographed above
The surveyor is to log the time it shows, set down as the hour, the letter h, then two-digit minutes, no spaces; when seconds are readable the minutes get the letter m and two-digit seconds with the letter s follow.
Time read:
3h23
